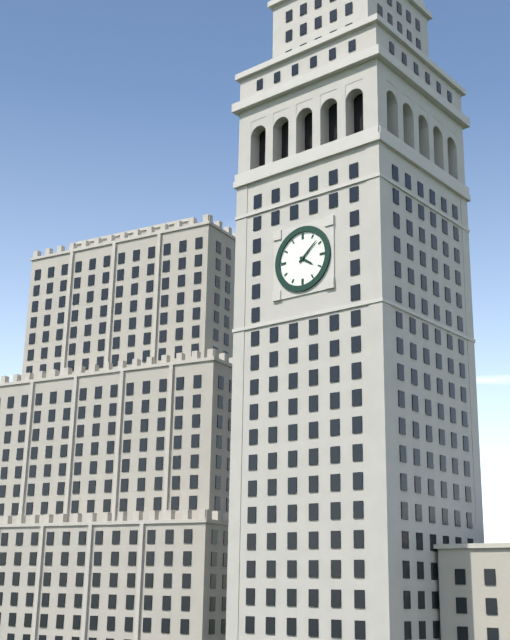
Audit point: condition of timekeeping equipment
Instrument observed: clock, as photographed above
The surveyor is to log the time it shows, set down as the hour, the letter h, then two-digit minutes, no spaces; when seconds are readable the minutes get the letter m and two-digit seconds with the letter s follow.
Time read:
4h08
